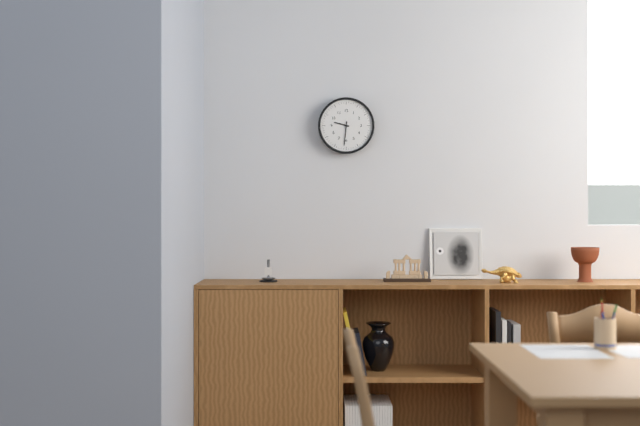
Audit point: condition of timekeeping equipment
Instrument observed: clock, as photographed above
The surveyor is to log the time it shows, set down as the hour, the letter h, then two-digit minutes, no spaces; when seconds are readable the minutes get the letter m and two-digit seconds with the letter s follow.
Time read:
9h31
